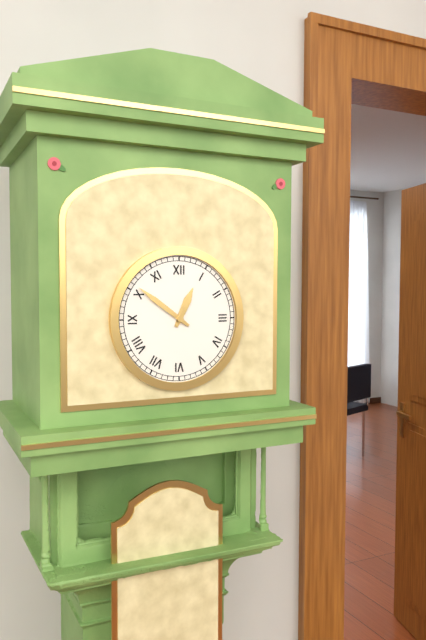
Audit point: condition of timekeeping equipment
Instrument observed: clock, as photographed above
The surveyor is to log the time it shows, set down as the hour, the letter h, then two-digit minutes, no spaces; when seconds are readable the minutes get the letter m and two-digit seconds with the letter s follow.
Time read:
12h51
